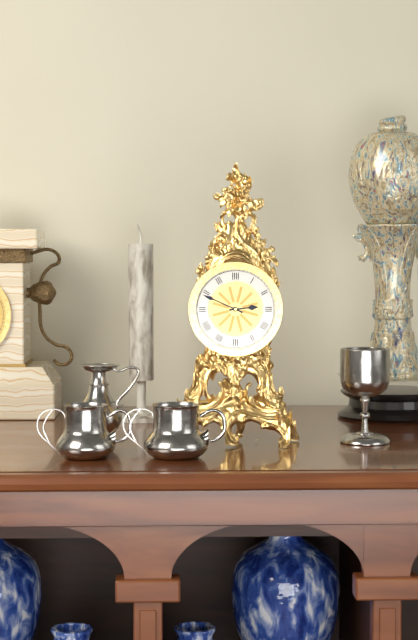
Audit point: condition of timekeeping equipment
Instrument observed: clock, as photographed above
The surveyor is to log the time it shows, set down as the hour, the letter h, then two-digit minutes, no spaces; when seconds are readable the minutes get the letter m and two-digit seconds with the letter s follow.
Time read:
2h49
